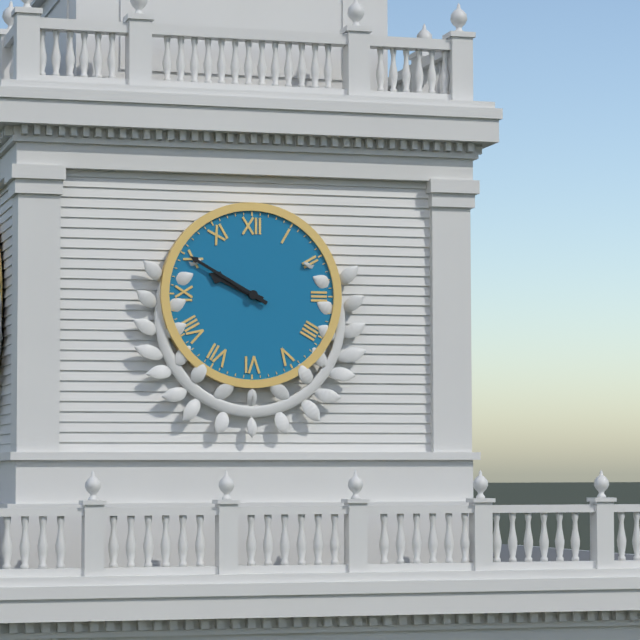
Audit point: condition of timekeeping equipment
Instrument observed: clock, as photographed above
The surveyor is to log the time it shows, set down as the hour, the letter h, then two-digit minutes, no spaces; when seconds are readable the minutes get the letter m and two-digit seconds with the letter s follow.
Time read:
9h50
